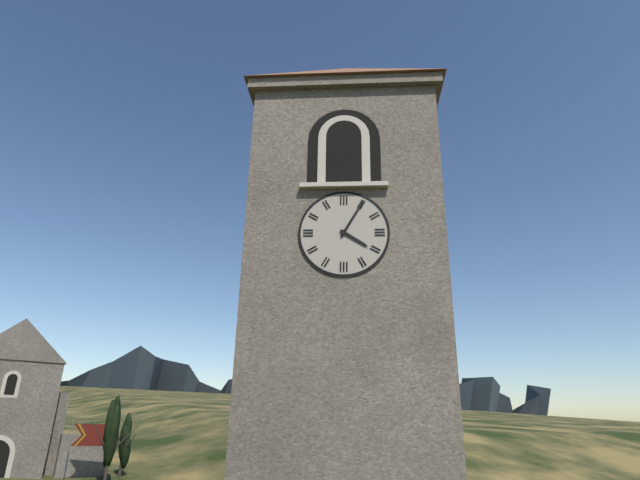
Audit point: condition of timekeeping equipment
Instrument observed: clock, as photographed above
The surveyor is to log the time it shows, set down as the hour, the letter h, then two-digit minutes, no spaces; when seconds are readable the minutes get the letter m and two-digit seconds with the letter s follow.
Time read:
4h05
